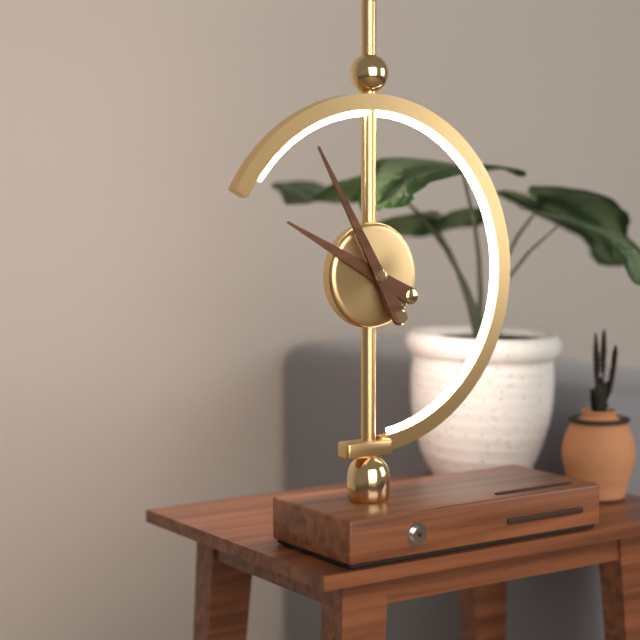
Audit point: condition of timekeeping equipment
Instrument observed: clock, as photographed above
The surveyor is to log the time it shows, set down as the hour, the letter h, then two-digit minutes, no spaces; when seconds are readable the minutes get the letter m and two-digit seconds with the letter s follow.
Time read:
9h55
